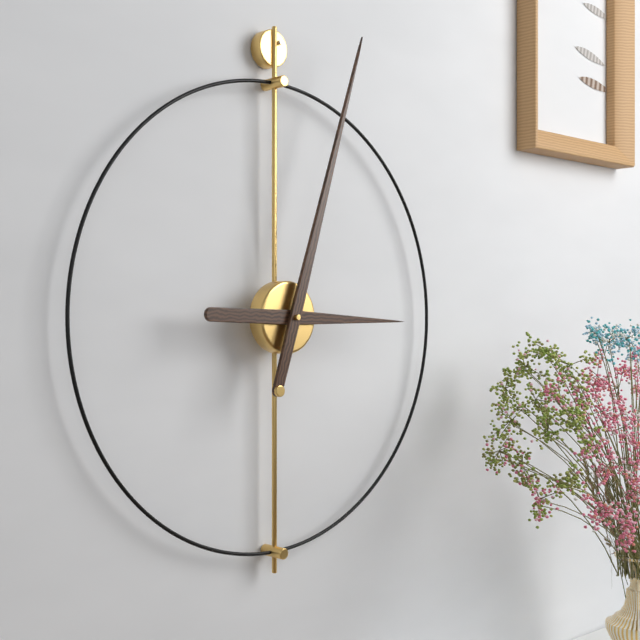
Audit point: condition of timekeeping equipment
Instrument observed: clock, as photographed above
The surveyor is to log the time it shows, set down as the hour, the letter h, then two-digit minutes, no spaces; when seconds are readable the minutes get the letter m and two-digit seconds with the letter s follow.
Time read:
3h03
